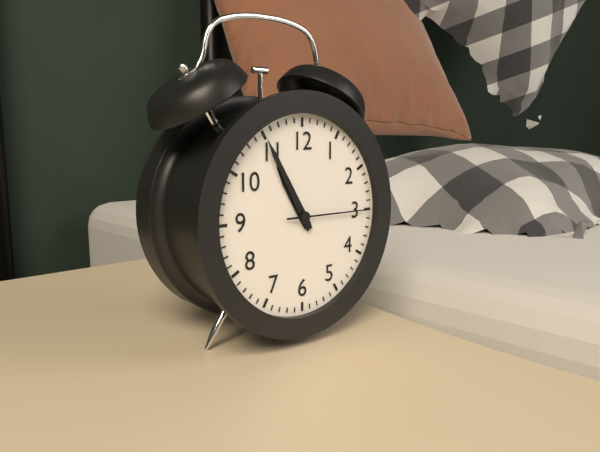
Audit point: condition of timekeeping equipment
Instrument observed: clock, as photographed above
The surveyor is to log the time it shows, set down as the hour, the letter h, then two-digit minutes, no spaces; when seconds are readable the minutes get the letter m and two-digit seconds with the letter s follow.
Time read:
10h55m15s
